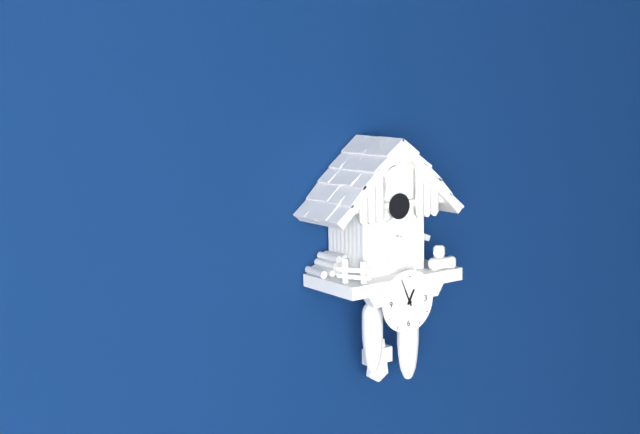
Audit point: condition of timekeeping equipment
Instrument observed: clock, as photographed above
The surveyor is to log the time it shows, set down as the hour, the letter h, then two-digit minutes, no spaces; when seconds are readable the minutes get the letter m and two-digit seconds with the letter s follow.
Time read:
12h56
